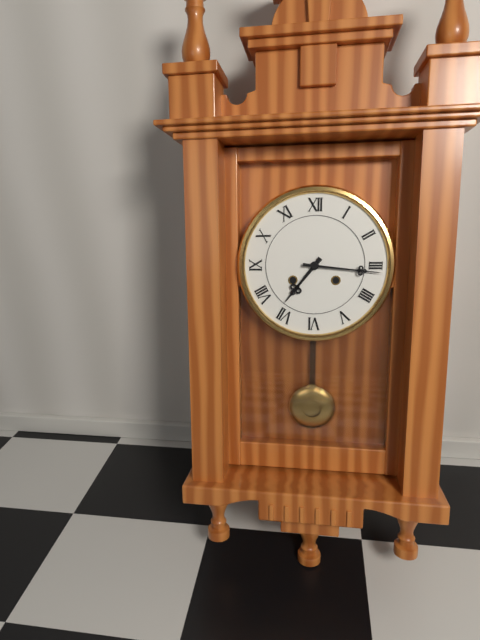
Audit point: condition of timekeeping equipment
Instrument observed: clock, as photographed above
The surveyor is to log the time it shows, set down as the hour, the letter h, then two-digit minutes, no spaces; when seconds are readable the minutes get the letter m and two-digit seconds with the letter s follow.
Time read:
7h16
